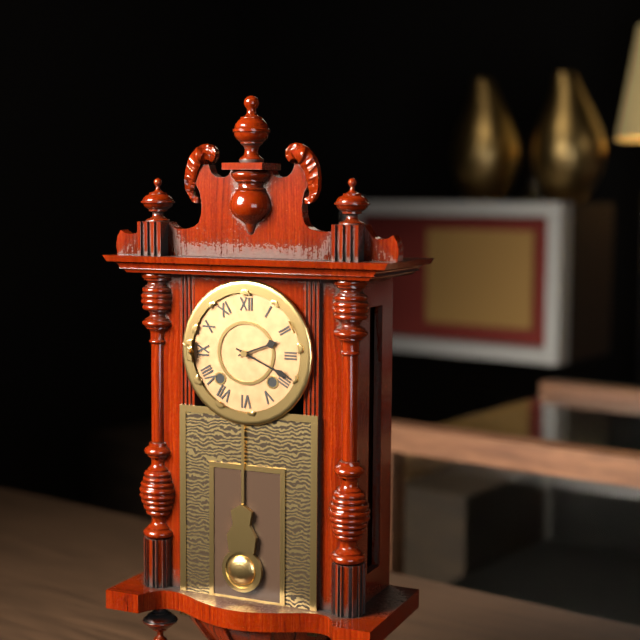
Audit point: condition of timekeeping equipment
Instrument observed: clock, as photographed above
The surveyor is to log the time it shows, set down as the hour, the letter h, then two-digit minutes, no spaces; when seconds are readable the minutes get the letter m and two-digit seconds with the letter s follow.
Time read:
2h19
